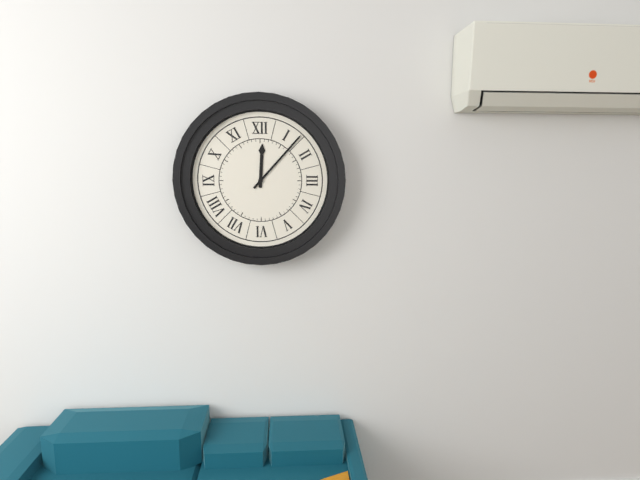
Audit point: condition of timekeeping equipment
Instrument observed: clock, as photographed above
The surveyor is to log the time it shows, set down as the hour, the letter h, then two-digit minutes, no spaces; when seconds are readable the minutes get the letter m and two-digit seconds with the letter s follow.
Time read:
12h07
